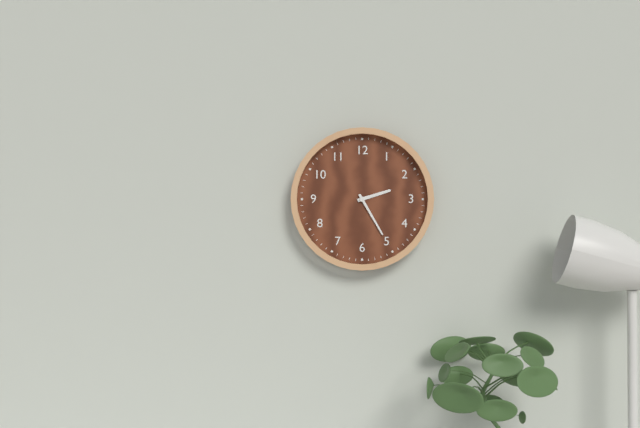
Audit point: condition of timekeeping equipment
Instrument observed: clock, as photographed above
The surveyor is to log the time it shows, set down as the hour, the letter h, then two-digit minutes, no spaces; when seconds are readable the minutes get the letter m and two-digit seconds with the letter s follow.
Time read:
2h25
